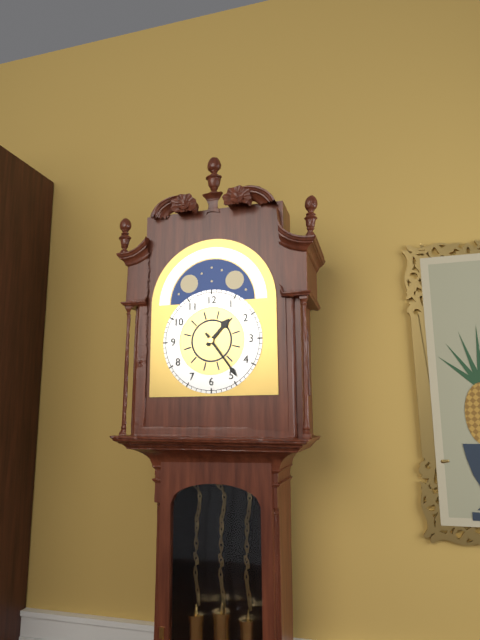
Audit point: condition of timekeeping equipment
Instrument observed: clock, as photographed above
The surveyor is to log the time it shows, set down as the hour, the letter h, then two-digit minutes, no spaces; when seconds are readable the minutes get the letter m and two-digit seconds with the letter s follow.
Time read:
1h24
